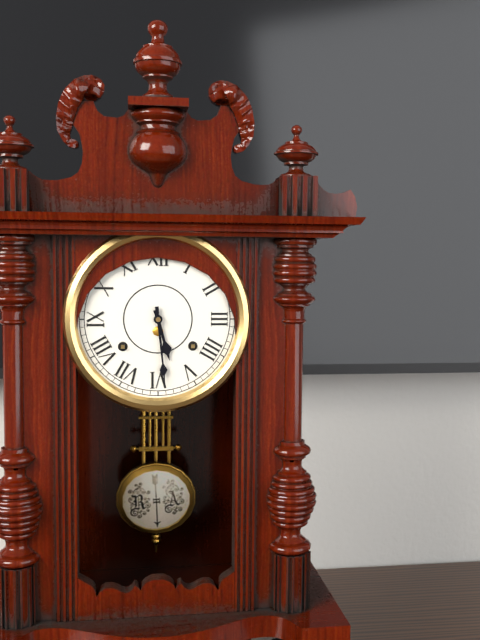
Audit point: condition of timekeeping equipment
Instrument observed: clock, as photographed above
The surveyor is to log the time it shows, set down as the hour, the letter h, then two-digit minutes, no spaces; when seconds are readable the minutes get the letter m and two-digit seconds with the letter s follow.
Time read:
5h29
